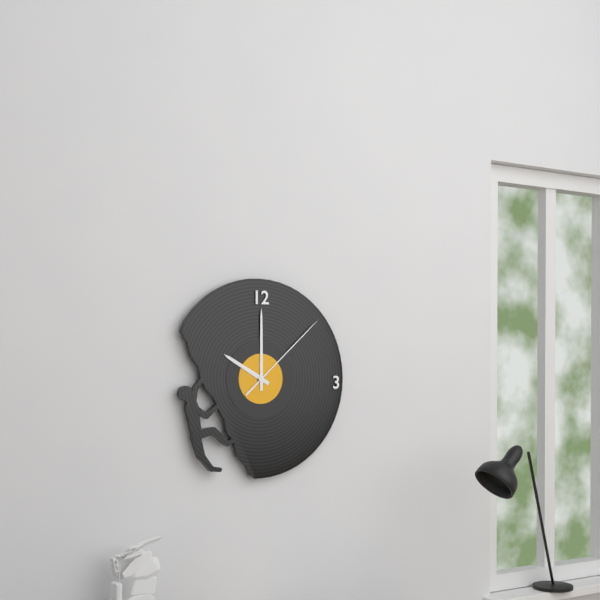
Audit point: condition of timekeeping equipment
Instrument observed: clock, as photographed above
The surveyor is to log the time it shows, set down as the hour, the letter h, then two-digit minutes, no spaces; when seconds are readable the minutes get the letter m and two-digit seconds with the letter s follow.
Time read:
10h00m08s
